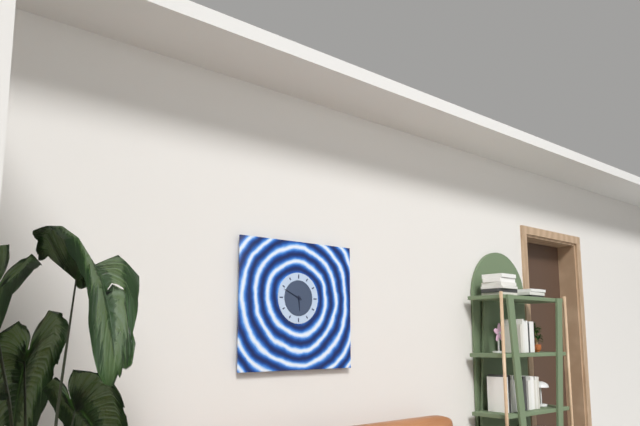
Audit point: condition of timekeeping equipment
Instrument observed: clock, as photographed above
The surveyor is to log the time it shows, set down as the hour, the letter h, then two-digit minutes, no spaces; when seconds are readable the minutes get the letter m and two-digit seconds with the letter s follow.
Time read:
5h49
